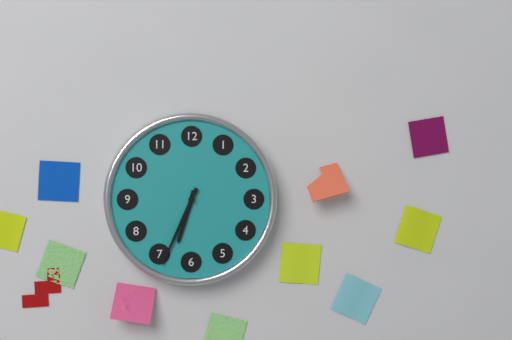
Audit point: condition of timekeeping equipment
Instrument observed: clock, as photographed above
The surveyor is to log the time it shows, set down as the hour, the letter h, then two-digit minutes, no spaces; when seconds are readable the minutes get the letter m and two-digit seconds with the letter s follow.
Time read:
6h34
